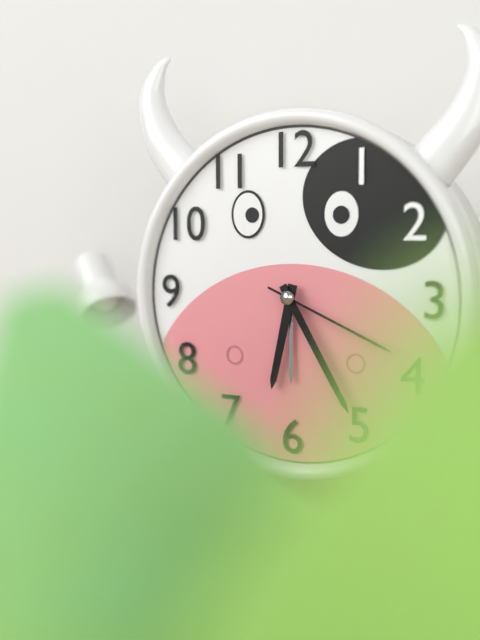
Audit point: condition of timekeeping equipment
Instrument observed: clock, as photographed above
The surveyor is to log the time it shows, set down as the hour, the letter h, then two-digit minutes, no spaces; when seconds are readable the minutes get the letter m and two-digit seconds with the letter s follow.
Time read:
6h25m19s
